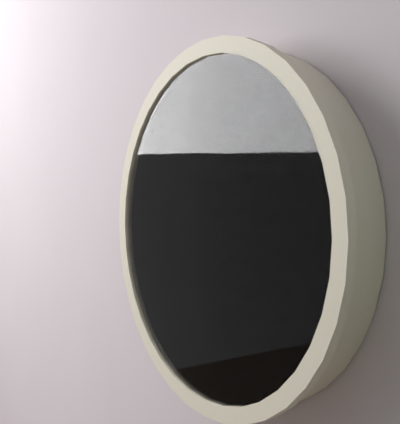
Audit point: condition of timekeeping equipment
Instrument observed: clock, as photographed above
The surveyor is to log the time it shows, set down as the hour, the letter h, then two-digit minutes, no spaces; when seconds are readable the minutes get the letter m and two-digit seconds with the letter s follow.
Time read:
12h30m32s
